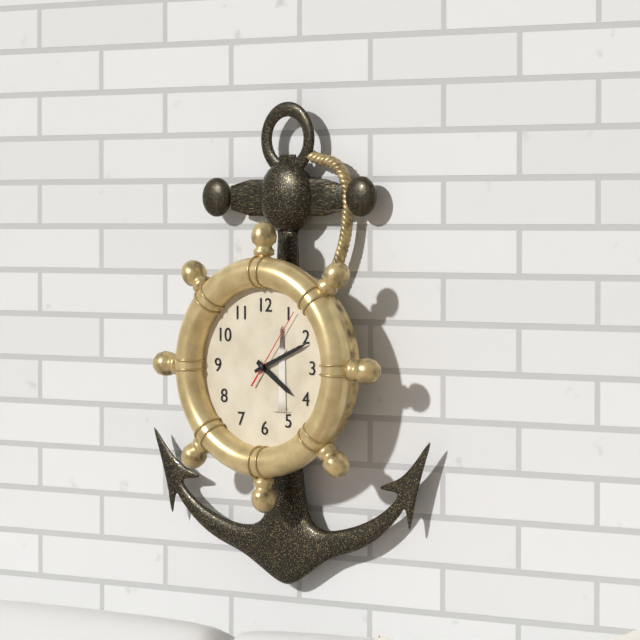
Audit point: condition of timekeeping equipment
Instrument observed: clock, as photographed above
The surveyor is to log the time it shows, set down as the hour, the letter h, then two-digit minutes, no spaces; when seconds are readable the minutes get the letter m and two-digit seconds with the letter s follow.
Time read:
4h11m06s
